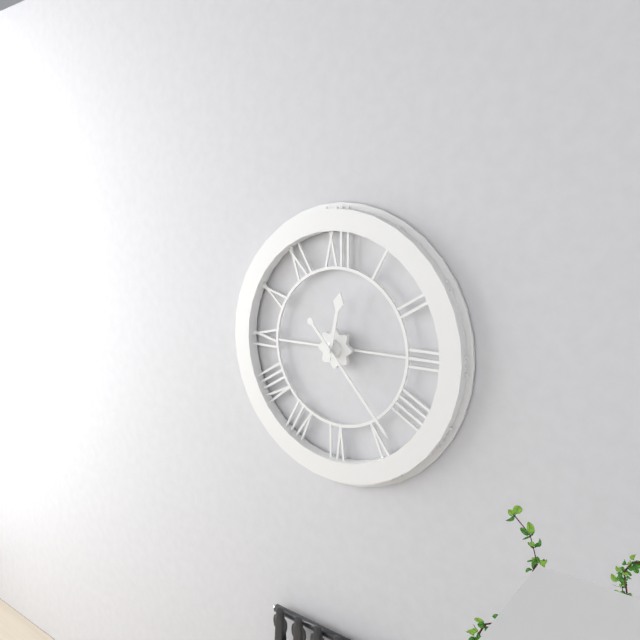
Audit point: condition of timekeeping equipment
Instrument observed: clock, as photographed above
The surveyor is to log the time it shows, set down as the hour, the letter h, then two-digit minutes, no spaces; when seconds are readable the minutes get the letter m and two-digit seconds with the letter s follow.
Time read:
12h23
